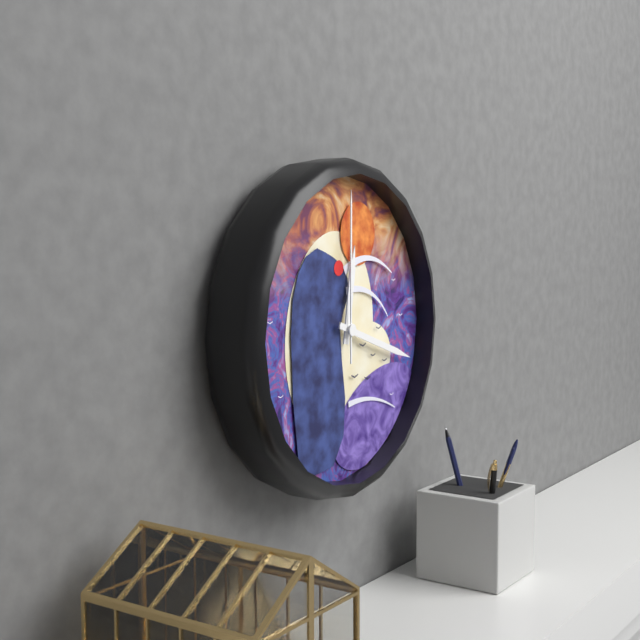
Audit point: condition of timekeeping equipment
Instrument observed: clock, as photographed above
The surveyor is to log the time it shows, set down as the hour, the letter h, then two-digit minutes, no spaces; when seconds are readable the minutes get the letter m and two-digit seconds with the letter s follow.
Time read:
12h18m00s
